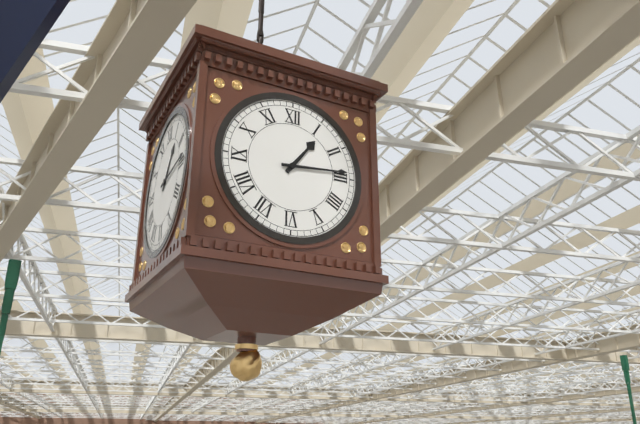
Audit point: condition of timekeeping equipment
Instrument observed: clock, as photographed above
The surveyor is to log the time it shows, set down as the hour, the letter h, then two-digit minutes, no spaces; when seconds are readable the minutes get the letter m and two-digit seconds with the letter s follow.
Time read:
1h14
